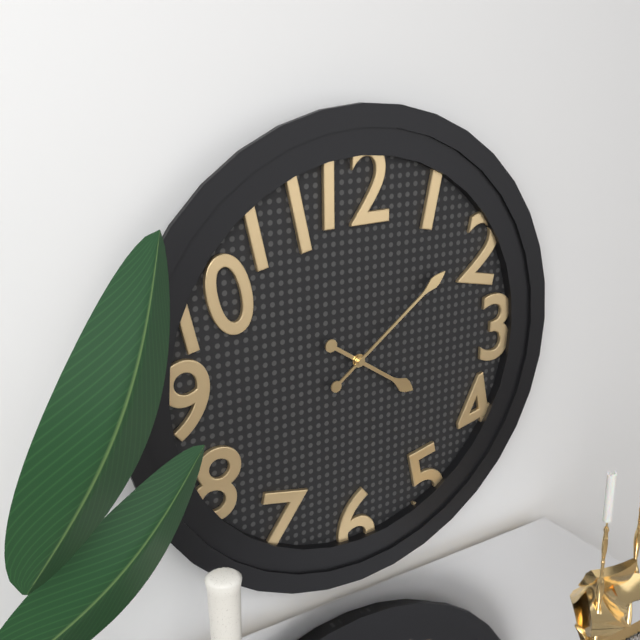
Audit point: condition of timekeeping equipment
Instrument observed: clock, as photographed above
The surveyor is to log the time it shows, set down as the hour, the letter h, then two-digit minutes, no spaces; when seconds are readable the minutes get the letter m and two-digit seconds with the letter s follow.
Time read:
4h09
